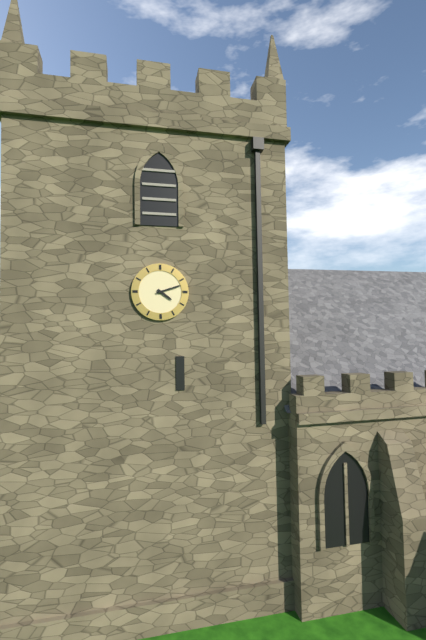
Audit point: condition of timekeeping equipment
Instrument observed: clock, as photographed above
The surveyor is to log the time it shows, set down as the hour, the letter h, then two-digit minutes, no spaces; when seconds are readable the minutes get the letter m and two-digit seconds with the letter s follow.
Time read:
4h12
